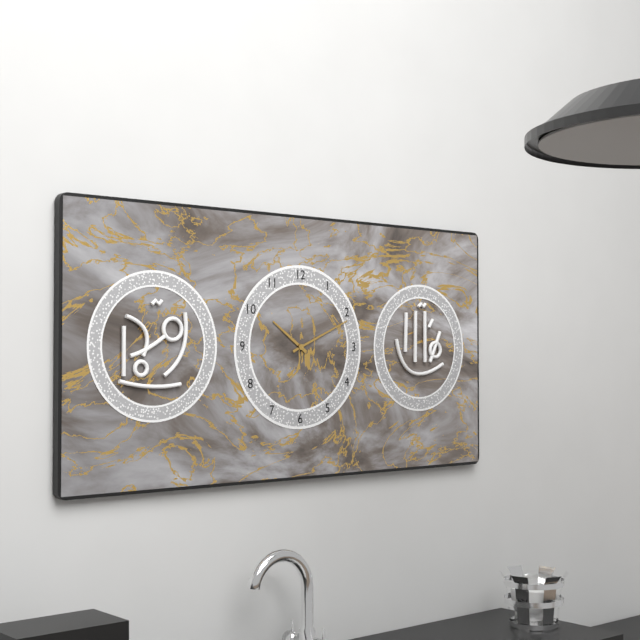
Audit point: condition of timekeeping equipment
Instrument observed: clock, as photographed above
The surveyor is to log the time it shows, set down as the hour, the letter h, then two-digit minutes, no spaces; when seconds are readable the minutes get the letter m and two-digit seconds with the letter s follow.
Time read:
10h11
